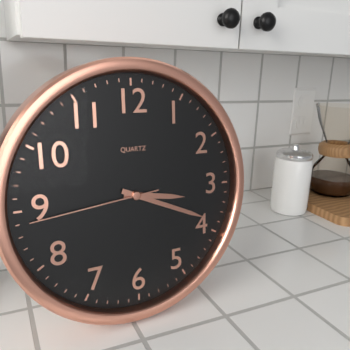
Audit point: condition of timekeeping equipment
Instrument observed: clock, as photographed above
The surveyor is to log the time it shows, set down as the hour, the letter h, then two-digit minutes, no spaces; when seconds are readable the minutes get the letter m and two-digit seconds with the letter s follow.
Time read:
3h19m44s
